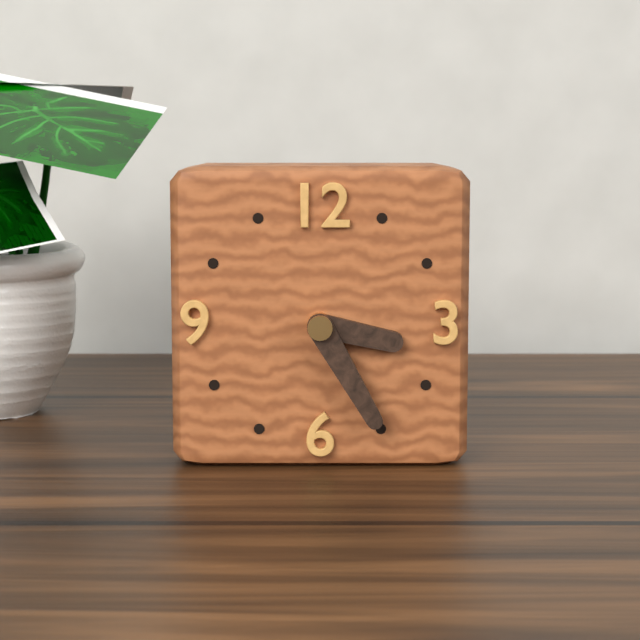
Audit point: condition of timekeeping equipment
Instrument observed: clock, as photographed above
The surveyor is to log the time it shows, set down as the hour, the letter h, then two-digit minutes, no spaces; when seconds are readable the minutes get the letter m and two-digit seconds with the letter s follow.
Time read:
3h25
